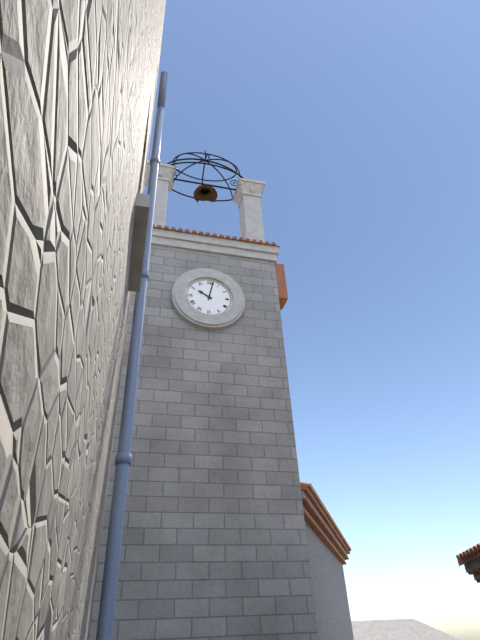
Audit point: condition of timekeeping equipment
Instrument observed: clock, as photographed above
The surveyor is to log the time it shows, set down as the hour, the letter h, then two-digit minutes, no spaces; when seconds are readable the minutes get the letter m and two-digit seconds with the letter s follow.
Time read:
10h02
